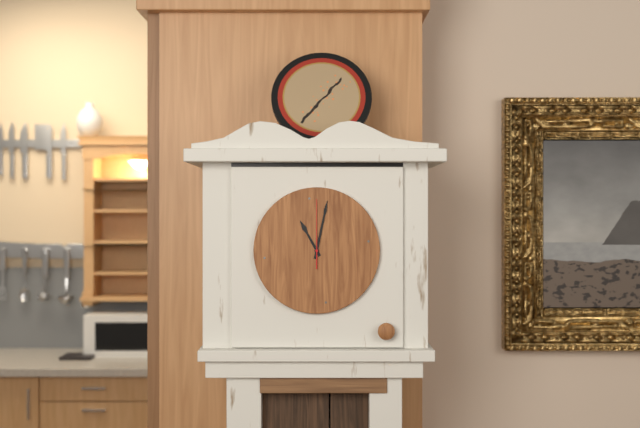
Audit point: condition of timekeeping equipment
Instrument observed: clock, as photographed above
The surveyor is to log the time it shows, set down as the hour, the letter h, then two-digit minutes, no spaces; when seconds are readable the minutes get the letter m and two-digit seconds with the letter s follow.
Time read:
11h02m00s
